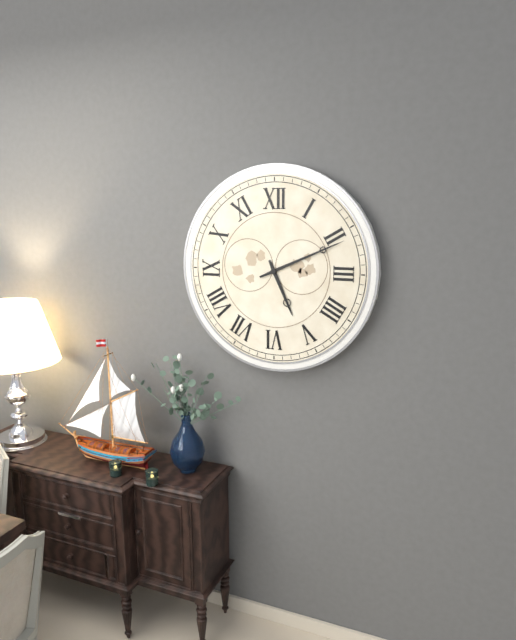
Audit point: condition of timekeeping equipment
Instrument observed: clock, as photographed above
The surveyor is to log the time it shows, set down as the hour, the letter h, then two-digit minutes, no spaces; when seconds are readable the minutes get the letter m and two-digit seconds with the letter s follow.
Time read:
5h11
